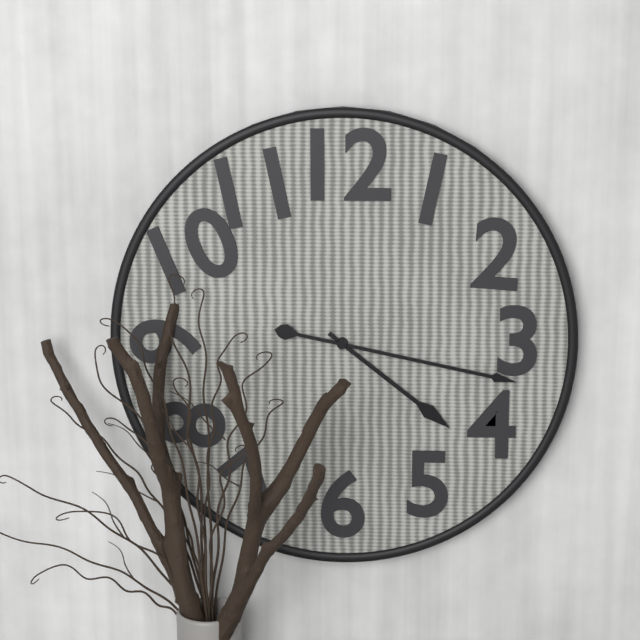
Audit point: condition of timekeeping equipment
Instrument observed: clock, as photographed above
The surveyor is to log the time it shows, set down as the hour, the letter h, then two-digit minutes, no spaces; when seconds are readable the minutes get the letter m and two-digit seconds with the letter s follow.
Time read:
4h17
